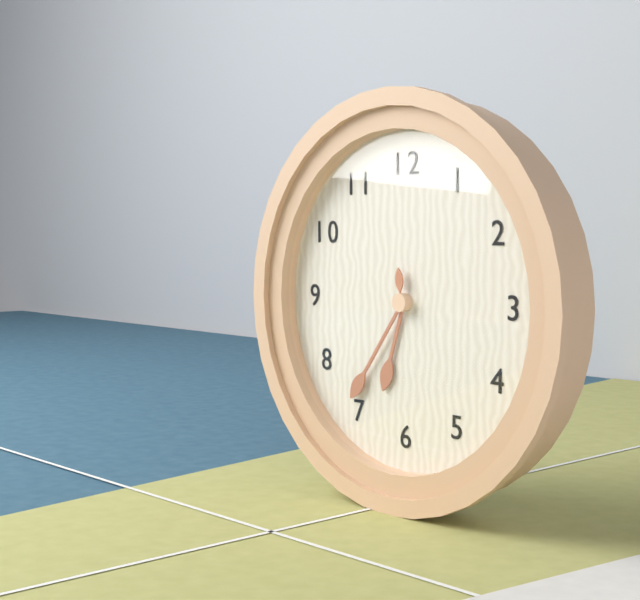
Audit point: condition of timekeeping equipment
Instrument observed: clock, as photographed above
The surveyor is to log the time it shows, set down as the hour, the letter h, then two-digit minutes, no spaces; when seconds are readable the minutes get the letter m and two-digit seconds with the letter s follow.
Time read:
6h36
